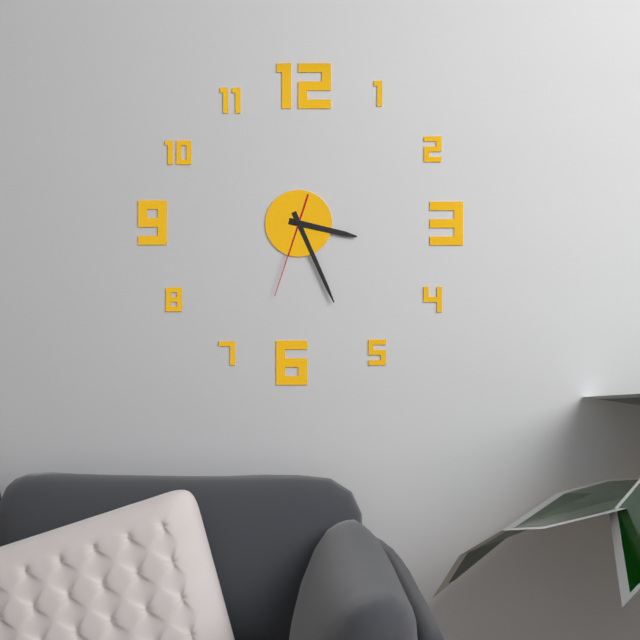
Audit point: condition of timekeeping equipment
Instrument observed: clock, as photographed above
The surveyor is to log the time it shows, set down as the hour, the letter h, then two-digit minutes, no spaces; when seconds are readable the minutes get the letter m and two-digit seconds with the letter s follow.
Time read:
3h26m33s
